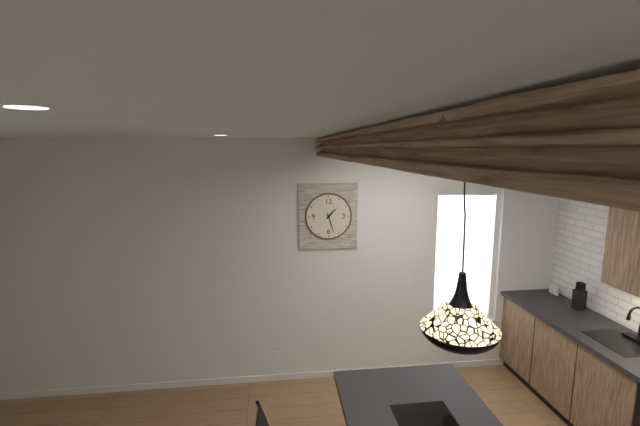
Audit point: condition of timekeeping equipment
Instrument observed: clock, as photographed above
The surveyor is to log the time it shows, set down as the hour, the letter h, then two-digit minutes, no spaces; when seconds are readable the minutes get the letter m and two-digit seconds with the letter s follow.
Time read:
1h27
